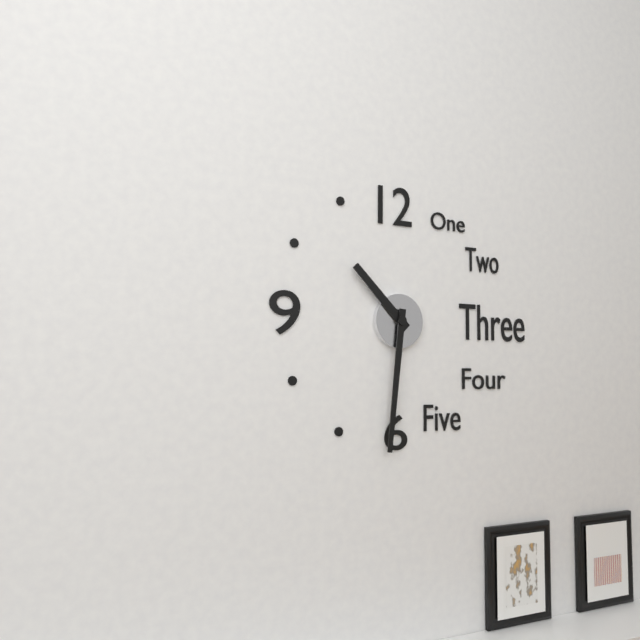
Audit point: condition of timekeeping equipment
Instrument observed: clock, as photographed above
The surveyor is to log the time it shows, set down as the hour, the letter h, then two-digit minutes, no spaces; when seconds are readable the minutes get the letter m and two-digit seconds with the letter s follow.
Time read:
10h31
